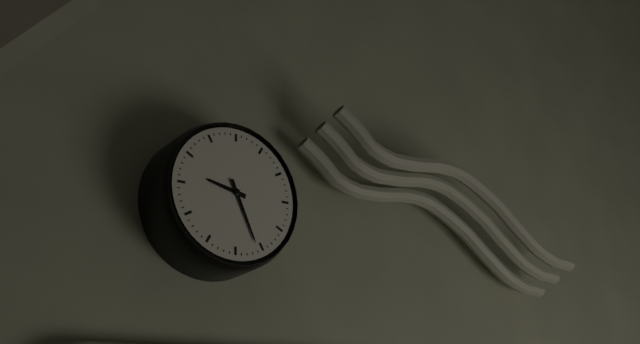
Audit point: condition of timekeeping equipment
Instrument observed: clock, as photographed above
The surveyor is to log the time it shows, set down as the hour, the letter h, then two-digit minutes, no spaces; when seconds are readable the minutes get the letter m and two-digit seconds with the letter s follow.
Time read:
9h26
